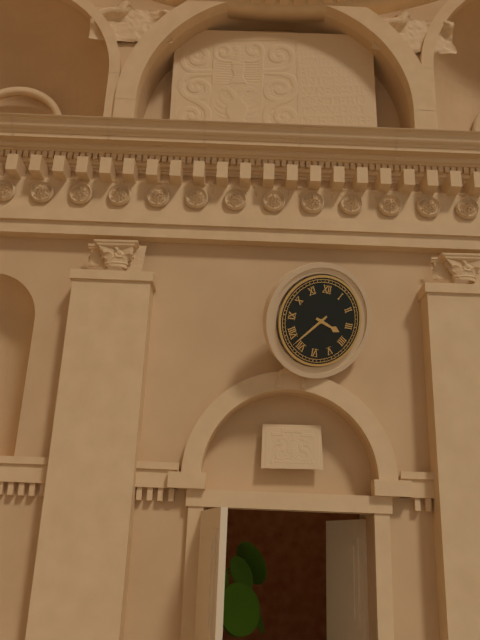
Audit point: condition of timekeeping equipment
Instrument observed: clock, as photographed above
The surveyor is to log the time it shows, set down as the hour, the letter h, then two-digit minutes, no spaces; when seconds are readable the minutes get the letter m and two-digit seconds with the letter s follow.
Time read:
3h37
